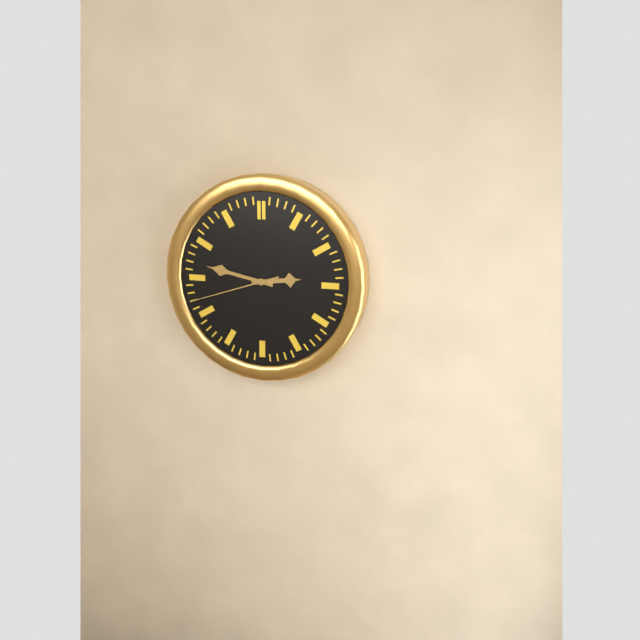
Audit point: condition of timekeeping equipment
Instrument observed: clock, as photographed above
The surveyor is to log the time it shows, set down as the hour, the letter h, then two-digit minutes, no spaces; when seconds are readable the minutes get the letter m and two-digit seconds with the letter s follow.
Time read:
2h47m42s
